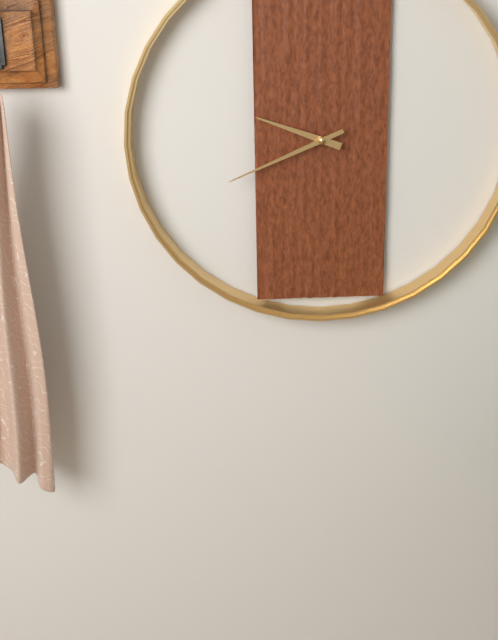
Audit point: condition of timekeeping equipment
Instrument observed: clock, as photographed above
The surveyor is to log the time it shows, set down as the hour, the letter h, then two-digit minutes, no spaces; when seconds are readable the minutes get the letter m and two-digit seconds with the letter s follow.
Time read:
9h41
